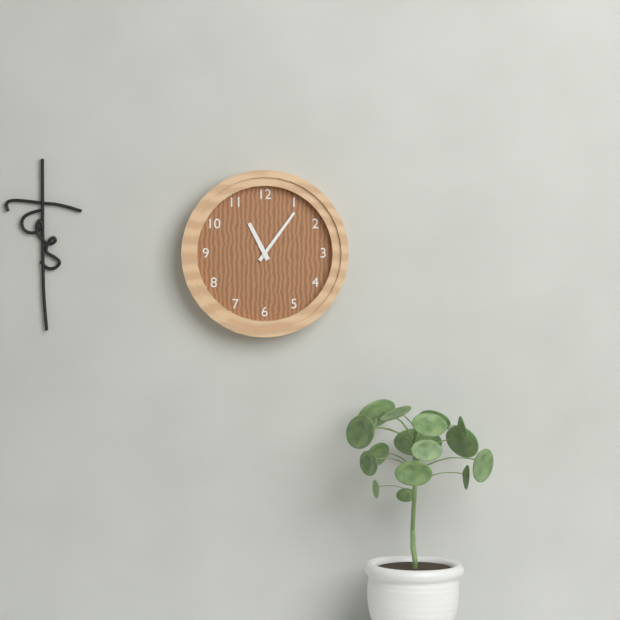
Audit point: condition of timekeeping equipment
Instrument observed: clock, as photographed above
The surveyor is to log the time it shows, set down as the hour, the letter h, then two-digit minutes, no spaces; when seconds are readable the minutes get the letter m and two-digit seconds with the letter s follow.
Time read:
11h06
